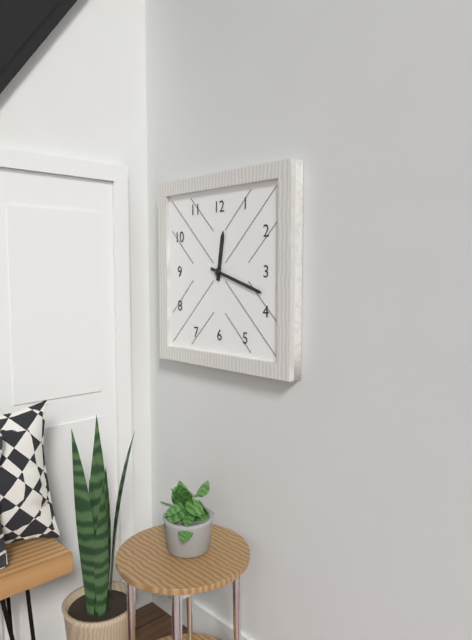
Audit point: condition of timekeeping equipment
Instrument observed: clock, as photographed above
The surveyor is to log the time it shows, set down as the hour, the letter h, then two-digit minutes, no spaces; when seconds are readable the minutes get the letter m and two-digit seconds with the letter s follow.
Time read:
12h18
